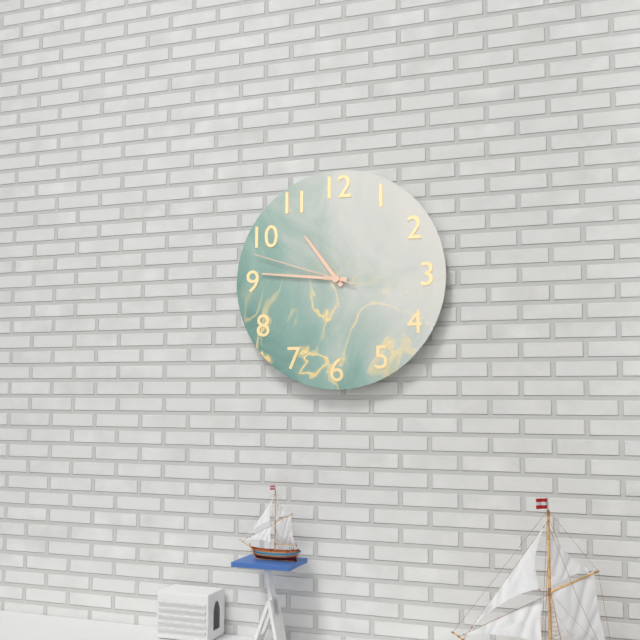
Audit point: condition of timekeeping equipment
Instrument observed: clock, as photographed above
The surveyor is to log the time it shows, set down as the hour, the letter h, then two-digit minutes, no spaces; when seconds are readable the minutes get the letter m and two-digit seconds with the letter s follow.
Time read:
10h46m48s
